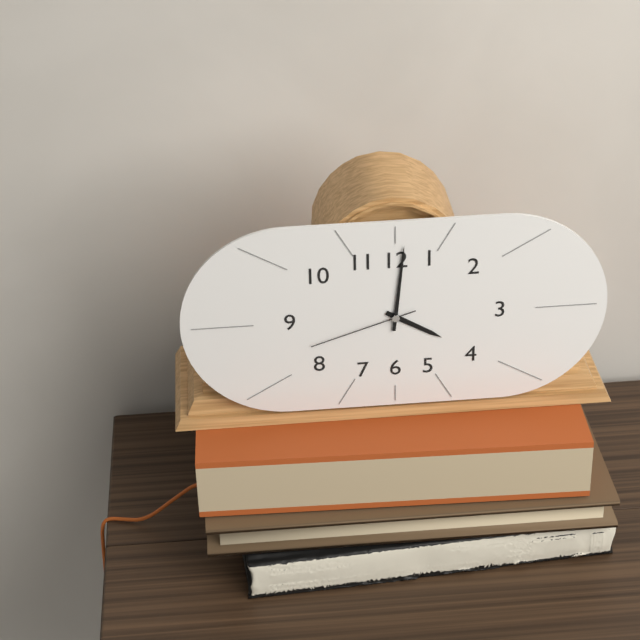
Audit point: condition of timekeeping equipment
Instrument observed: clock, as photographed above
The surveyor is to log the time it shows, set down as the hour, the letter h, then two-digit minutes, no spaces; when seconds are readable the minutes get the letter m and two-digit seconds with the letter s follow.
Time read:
4h01m42s
